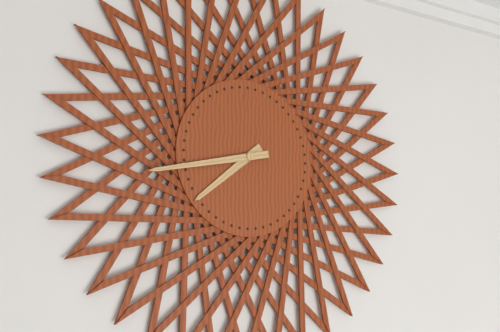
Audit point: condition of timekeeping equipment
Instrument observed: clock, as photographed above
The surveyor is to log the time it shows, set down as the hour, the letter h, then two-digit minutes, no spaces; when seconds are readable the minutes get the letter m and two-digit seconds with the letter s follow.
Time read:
7h43
